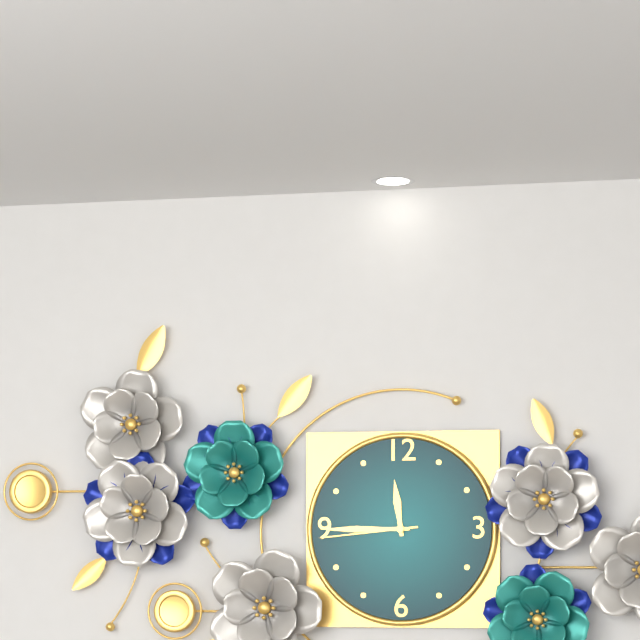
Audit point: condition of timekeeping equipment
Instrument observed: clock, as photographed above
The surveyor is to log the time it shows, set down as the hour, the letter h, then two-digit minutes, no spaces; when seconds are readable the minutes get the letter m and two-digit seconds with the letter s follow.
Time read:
11h45m44s
